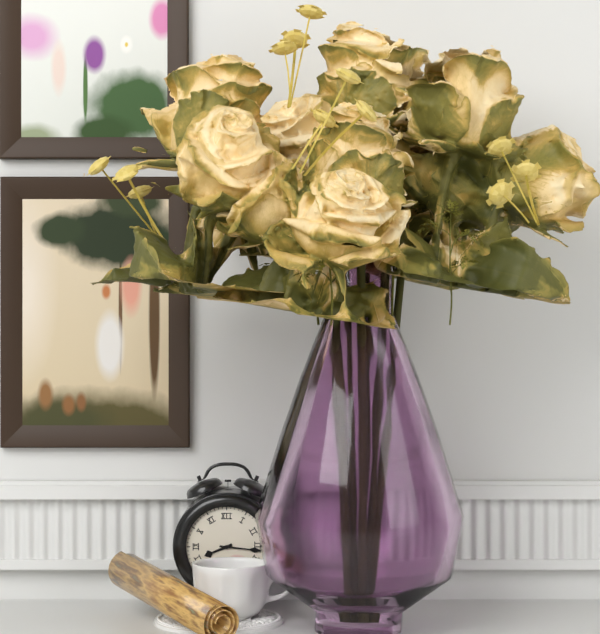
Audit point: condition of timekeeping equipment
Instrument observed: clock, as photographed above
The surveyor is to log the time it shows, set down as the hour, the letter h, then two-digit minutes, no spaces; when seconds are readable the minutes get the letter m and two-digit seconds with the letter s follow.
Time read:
8h16
